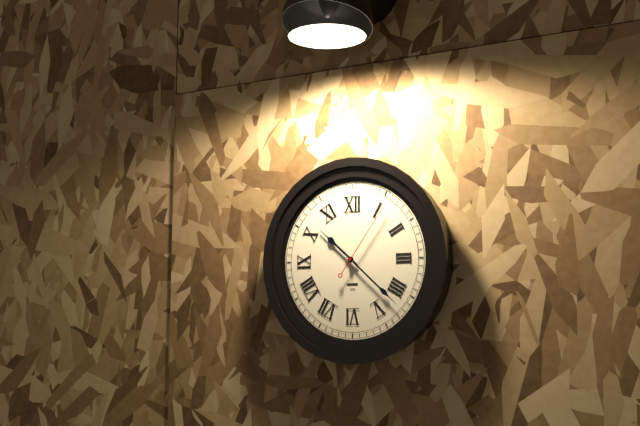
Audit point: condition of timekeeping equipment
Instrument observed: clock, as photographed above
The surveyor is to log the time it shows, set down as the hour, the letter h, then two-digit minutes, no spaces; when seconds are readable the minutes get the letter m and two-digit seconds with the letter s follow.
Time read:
10h22m06s
